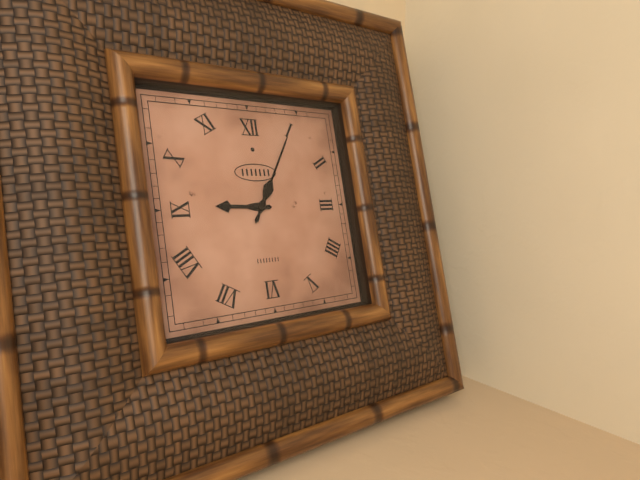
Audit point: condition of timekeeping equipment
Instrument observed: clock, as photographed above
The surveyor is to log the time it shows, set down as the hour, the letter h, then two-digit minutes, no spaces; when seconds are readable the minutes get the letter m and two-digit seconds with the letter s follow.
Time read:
9h05
